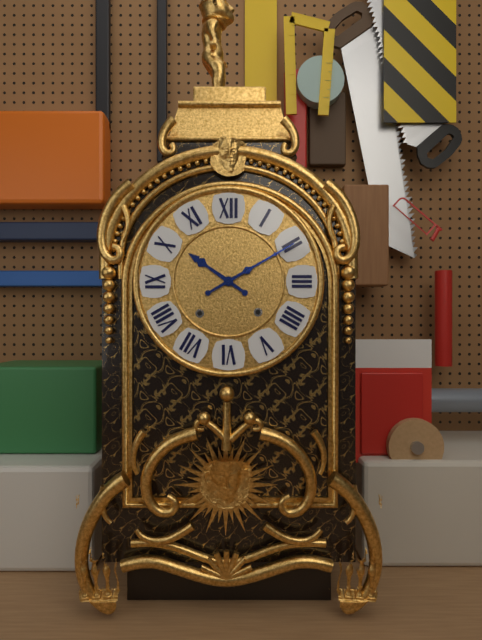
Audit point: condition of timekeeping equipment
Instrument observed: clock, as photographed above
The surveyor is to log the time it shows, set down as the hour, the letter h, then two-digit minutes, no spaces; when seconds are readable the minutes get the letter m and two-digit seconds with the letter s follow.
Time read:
10h10
